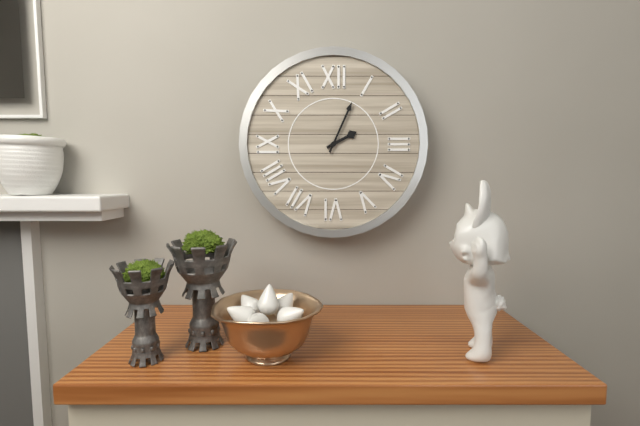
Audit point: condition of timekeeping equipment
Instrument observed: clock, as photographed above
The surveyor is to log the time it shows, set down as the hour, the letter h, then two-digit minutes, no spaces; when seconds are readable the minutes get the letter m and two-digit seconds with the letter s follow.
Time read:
2h04
